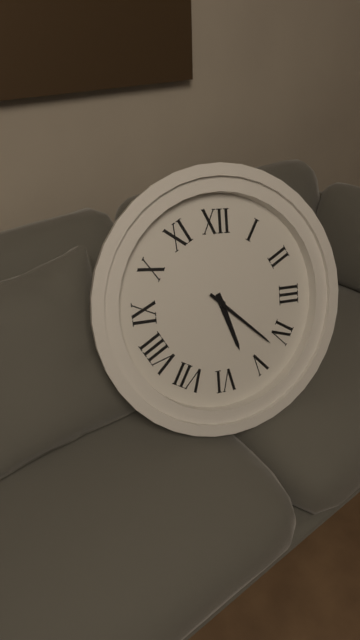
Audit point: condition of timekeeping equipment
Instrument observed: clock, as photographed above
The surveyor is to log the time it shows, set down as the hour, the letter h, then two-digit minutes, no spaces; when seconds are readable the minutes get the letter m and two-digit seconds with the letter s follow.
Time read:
5h22
